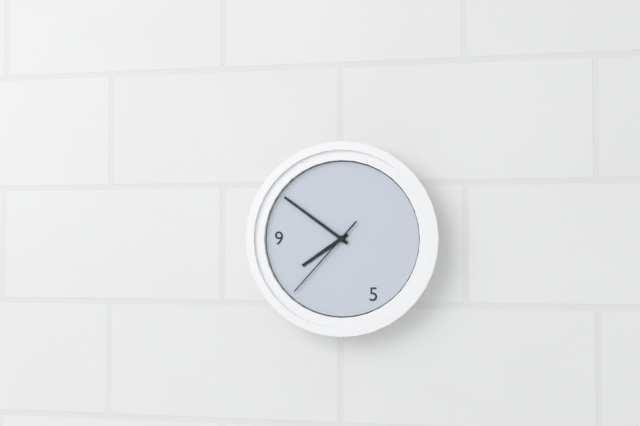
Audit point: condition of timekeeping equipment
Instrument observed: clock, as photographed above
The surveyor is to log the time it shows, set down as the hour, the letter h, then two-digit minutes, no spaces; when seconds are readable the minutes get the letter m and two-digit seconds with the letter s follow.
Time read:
7h51m37s
